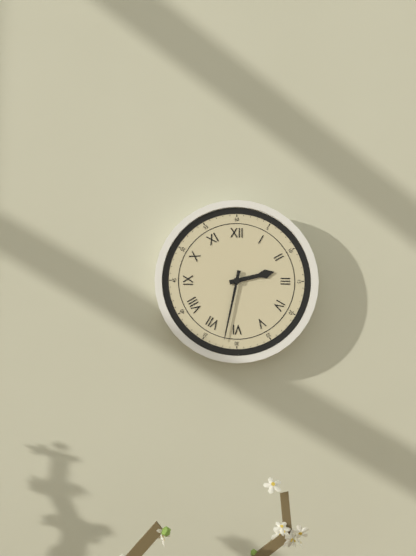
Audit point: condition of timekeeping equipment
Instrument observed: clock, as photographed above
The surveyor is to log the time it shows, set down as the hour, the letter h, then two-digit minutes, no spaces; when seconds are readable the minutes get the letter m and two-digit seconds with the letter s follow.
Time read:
2h32
